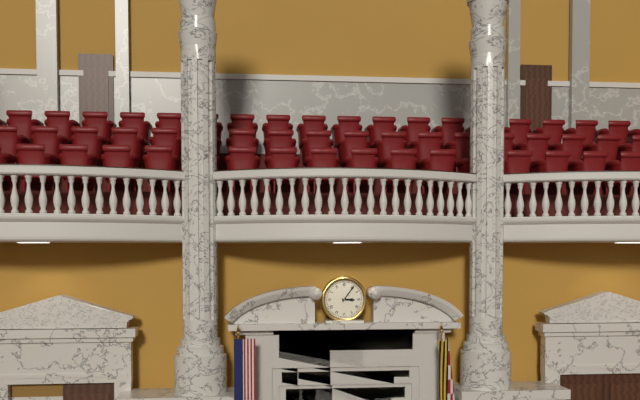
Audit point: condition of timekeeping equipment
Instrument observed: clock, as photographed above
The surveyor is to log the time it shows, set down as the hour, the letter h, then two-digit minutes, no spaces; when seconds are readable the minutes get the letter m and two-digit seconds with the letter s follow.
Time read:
3h06
